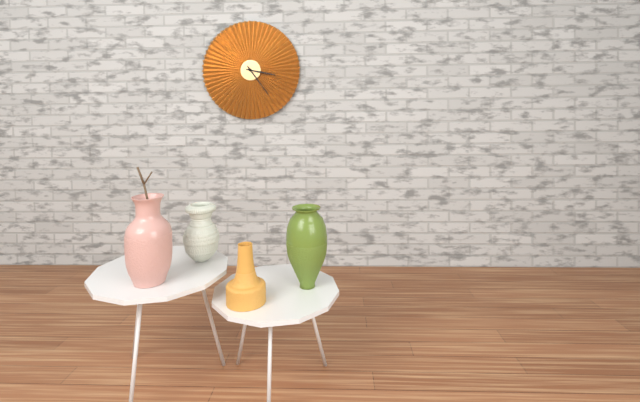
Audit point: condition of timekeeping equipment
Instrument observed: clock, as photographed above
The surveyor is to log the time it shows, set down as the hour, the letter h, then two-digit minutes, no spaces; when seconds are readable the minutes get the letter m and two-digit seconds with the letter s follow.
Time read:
3h24
